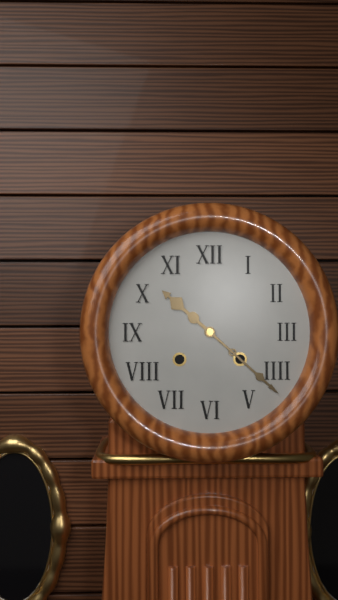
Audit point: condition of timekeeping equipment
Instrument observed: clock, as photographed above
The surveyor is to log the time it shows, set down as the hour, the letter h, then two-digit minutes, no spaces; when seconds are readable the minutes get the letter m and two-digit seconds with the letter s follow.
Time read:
10h22
